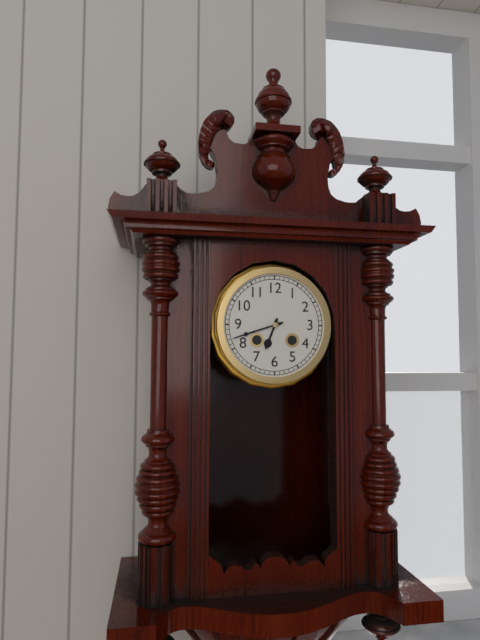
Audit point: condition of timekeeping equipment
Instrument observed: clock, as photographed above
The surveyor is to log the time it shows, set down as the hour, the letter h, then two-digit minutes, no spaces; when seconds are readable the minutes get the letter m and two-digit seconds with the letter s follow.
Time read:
6h42
